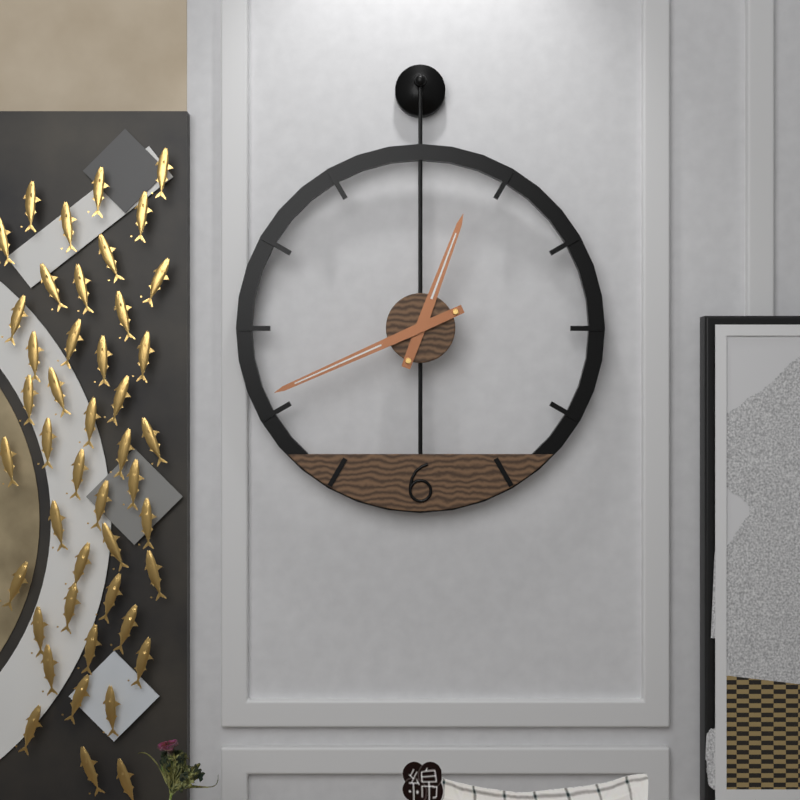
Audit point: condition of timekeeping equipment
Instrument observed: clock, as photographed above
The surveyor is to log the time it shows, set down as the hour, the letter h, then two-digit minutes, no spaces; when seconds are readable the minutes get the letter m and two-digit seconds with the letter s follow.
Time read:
12h41
